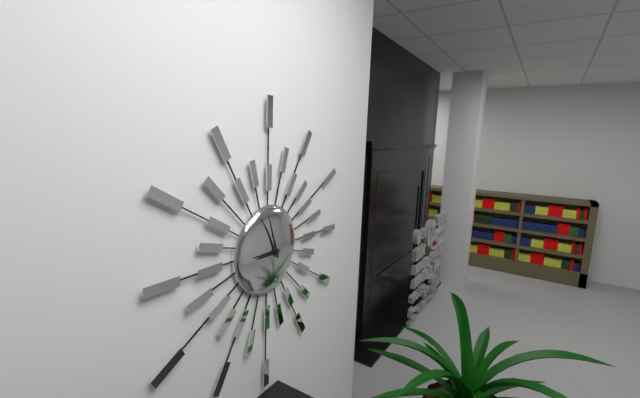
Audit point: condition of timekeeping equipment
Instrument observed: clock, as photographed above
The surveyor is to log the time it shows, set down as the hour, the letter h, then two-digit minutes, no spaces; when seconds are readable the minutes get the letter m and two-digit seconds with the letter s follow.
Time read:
8h57
